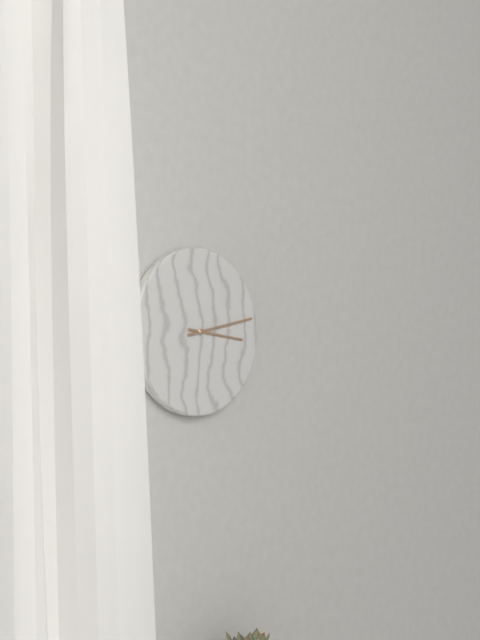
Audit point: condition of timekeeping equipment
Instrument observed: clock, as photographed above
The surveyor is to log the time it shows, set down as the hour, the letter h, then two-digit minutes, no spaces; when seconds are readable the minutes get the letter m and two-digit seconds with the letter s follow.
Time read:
3h13
